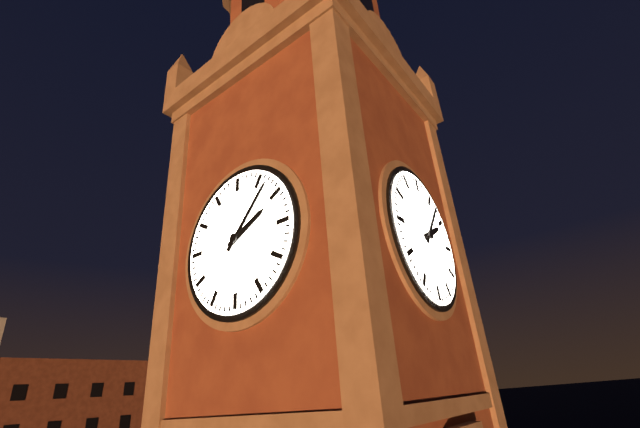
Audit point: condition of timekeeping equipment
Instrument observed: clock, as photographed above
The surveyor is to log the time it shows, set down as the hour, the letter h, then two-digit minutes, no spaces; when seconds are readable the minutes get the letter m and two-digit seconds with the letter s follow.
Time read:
2h07
